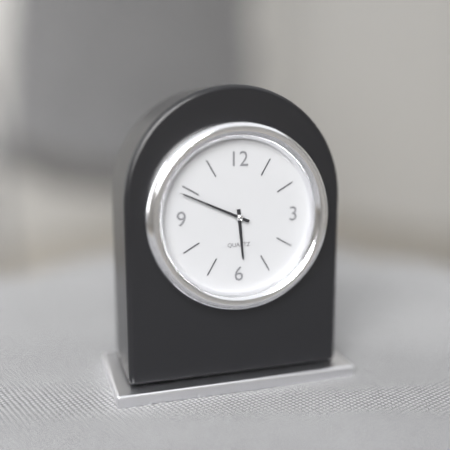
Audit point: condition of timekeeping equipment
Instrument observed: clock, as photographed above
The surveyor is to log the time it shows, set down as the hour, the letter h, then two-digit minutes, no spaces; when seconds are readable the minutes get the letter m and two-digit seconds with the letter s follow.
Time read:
5h49
